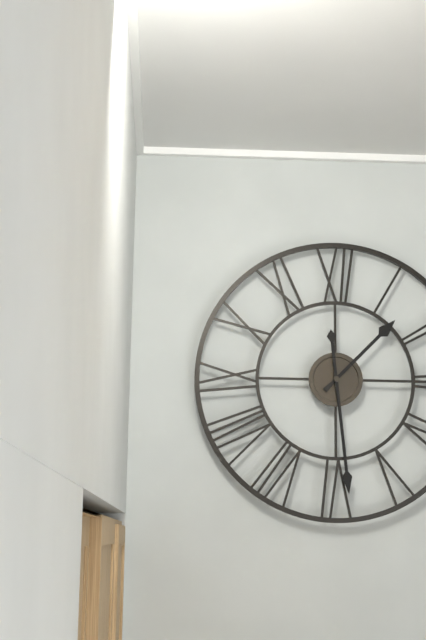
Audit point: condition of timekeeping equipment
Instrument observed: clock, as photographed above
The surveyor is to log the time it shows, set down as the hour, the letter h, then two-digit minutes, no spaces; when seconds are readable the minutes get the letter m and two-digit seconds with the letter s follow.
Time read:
1h29
